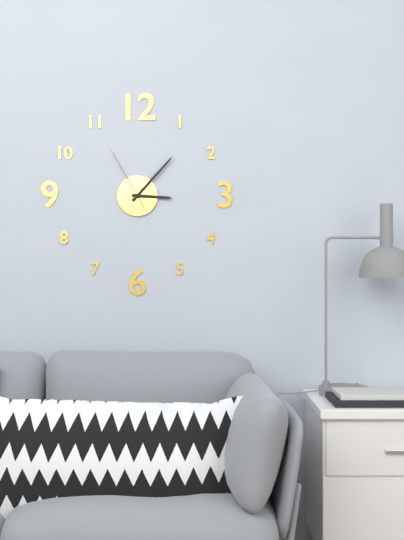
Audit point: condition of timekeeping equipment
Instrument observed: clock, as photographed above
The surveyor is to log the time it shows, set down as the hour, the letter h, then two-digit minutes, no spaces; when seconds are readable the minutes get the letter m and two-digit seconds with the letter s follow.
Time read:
3h07m55s
